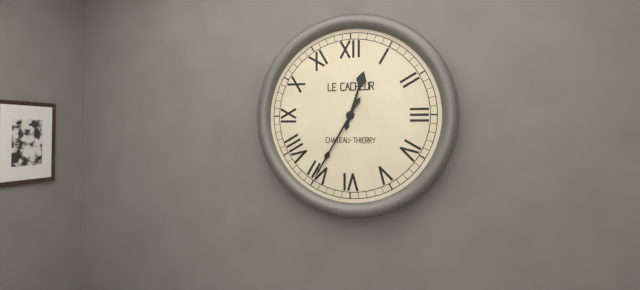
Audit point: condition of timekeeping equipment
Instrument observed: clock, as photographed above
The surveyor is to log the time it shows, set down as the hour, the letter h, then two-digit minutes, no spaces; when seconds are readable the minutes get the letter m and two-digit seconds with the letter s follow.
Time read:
12h35
